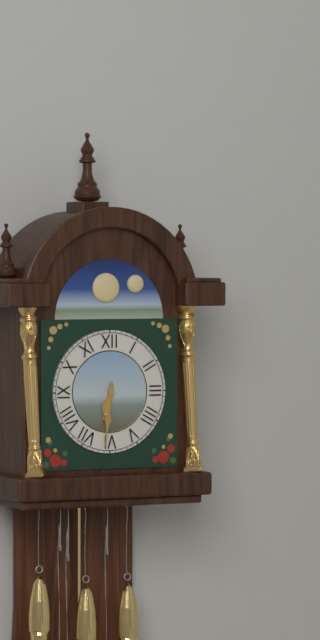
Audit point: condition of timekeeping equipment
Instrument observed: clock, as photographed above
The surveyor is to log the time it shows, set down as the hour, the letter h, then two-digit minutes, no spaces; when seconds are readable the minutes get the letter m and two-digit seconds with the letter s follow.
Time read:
6h31
